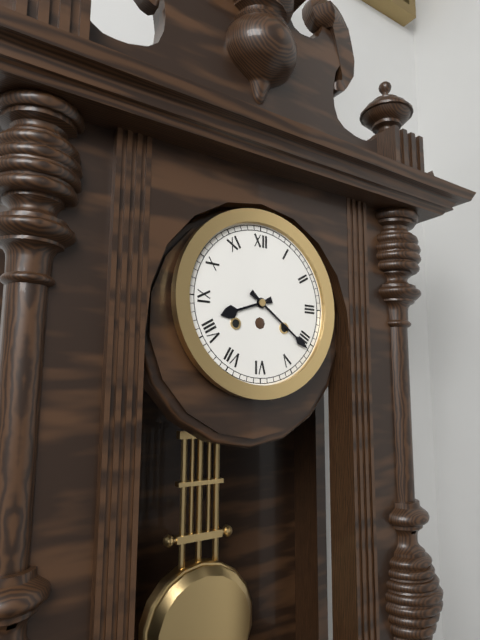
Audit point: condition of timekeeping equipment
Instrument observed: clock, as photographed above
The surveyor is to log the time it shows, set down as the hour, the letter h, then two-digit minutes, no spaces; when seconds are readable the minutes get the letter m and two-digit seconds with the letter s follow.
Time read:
8h21
